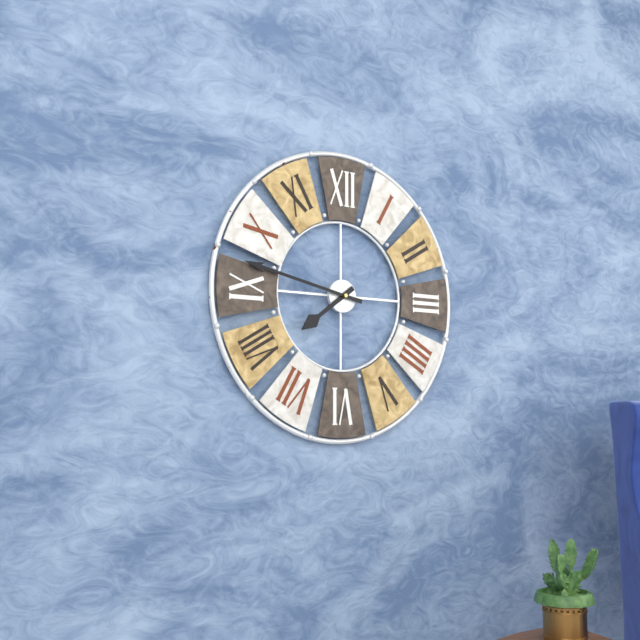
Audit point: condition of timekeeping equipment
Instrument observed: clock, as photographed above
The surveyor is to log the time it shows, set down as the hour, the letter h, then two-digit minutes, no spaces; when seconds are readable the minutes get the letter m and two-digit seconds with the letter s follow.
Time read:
7h47
